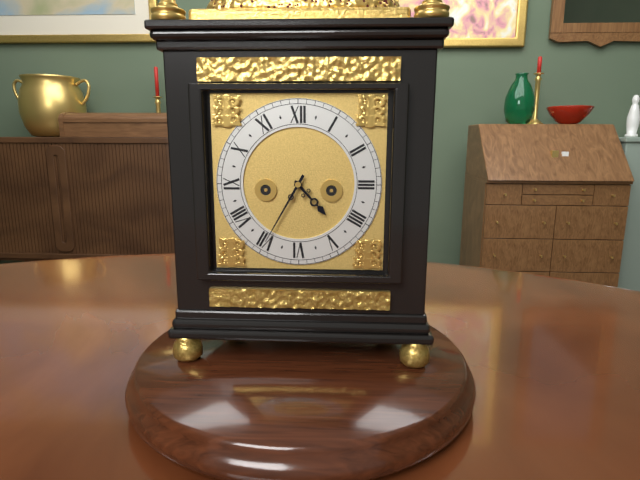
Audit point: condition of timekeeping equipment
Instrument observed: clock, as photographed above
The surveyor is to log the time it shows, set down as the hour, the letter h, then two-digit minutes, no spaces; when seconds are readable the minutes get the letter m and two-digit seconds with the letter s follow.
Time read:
4h35
